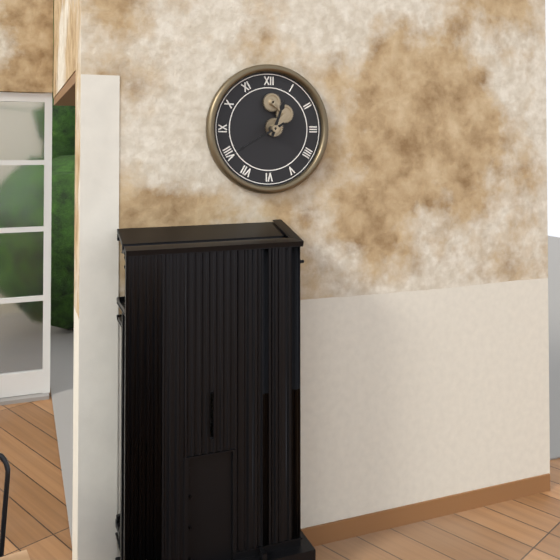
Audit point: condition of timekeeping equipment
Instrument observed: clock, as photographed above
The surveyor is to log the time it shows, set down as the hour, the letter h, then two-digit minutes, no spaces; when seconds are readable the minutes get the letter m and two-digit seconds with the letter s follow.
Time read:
12h40
